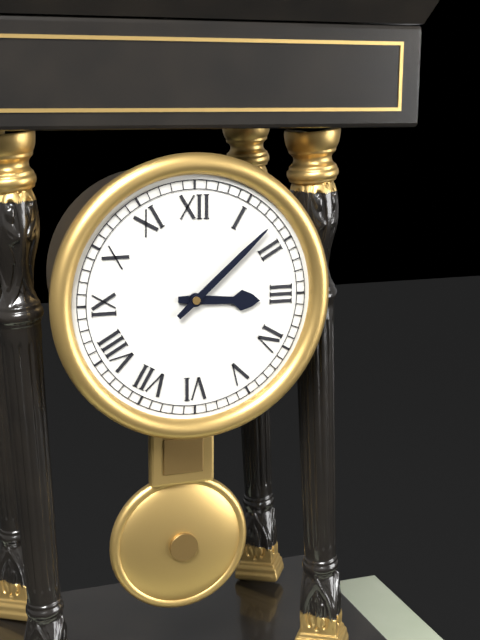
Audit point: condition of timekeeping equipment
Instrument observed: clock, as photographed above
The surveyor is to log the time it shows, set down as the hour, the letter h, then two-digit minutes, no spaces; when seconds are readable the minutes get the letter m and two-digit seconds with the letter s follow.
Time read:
3h08
